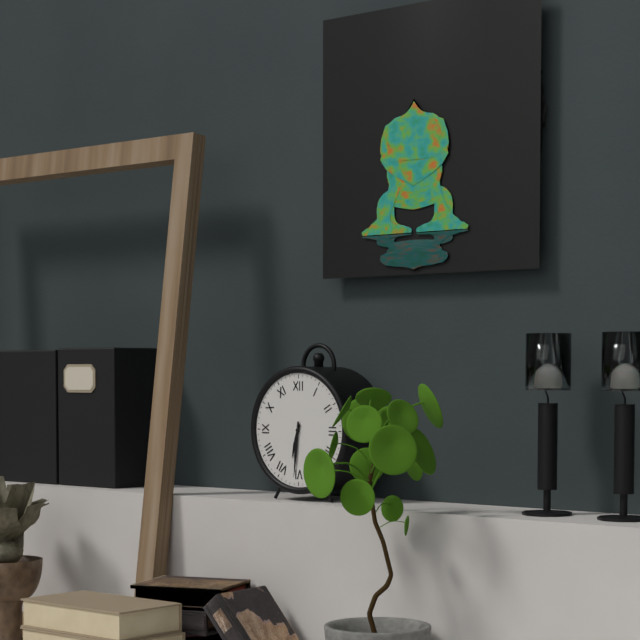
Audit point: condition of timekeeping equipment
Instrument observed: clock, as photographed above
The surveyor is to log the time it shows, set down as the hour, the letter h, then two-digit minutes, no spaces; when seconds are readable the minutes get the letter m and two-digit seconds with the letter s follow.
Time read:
6h31
